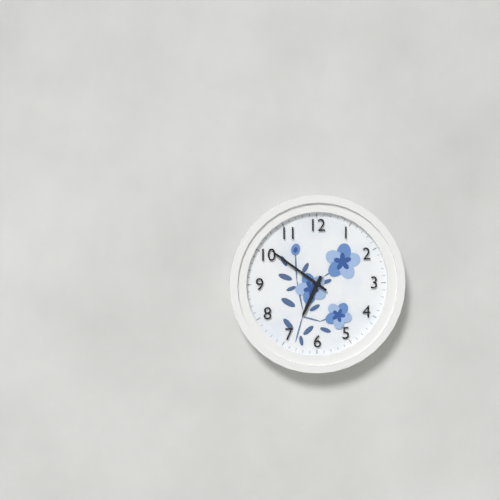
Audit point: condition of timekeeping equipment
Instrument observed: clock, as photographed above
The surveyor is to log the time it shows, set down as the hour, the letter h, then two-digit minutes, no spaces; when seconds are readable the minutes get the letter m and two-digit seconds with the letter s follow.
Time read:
6h51
